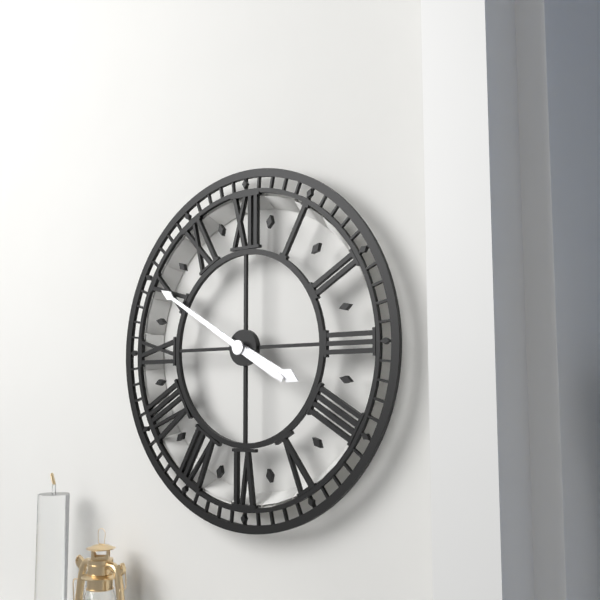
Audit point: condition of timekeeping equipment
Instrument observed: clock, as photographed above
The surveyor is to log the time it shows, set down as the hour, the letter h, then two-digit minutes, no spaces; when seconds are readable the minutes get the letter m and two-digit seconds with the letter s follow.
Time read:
3h50
